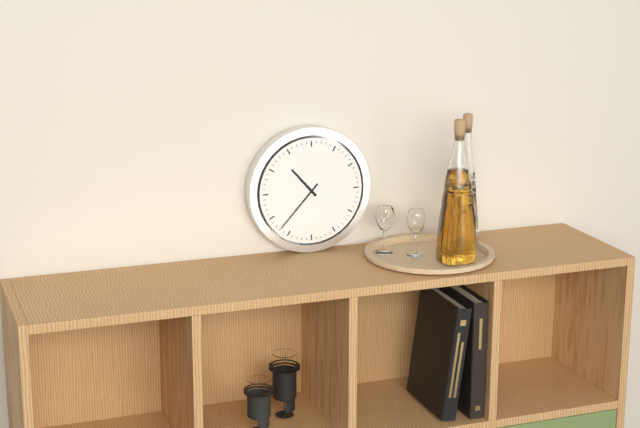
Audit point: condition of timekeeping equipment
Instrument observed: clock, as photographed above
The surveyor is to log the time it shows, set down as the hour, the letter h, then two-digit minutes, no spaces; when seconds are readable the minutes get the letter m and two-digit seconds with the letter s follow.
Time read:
10h37
